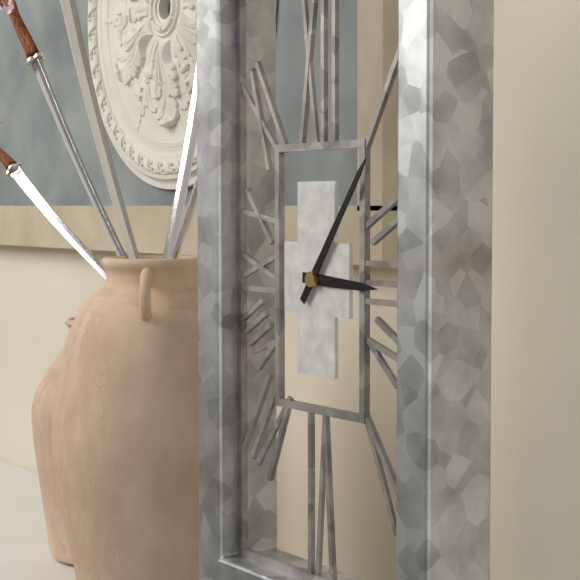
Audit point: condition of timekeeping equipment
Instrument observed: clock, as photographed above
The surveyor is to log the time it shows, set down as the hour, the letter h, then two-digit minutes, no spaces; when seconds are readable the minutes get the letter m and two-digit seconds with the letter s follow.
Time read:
3h06
